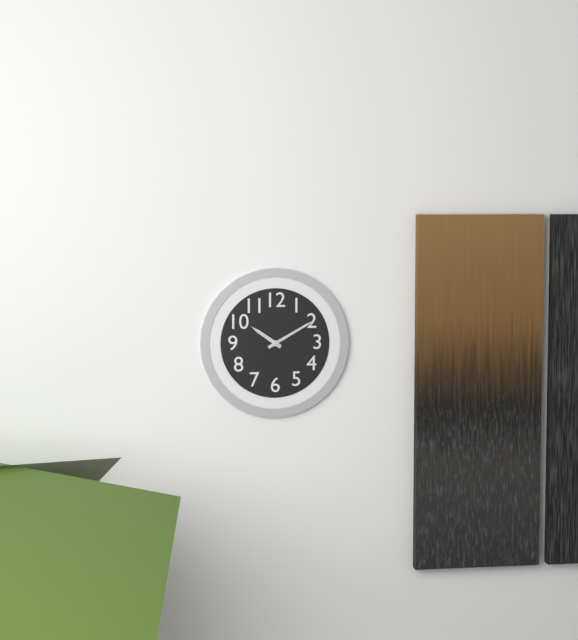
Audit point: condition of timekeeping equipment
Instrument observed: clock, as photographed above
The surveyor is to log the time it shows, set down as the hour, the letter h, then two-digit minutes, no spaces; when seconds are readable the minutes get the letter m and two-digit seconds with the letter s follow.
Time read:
10h10
